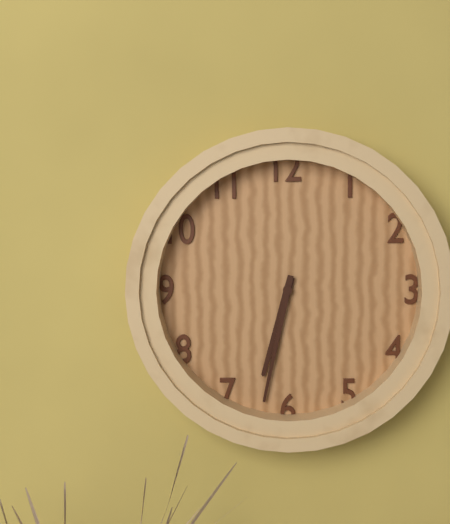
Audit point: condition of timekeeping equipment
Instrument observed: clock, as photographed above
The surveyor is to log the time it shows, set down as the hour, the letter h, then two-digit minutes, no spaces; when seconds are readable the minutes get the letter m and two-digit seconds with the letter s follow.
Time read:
6h32
